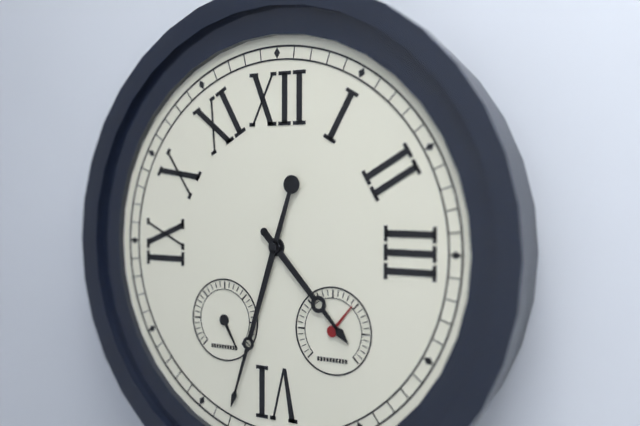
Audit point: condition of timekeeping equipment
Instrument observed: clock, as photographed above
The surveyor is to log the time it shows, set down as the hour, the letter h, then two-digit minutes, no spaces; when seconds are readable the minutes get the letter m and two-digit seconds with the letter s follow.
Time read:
4h33
